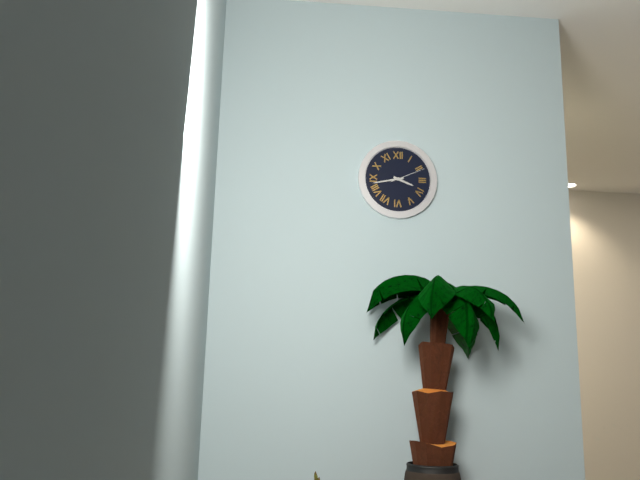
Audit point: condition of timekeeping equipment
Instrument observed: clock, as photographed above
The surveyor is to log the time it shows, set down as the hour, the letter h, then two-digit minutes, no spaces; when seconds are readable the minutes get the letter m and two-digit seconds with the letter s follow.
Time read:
3h43
